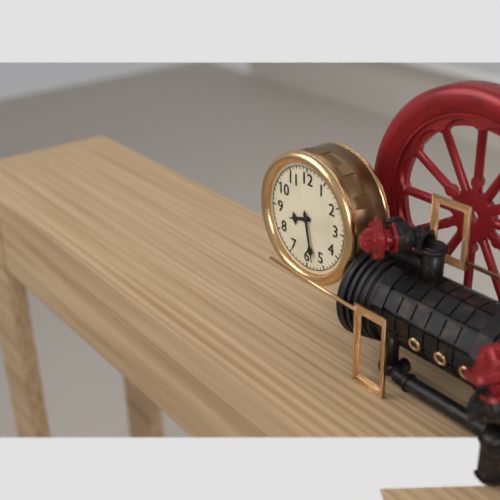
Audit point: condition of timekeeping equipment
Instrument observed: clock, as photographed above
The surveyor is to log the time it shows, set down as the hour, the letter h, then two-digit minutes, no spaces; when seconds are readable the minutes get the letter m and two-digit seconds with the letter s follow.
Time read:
8h28
